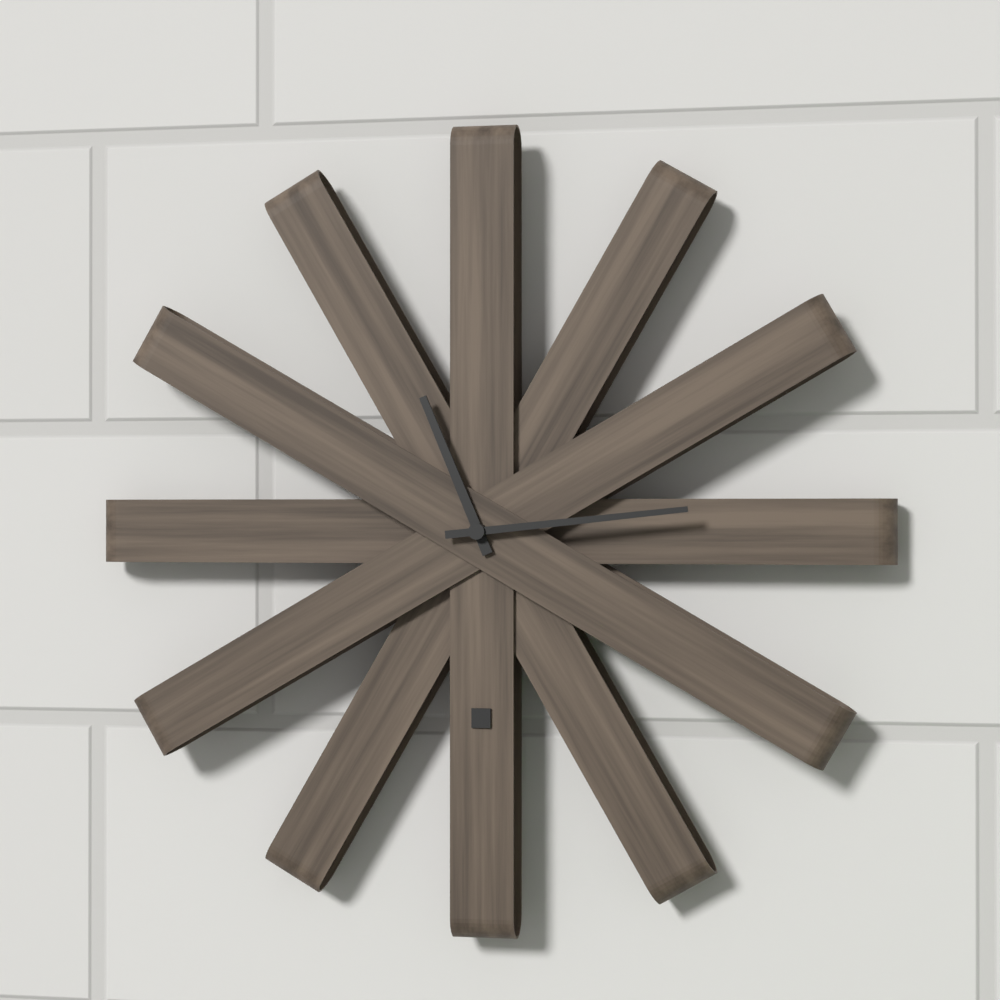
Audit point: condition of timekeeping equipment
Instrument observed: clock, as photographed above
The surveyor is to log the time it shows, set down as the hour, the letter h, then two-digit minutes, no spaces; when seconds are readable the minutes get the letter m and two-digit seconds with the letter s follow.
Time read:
11h14
